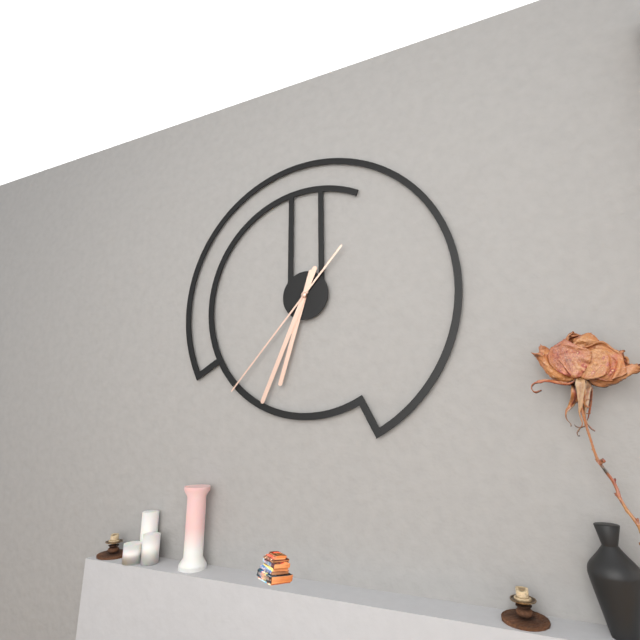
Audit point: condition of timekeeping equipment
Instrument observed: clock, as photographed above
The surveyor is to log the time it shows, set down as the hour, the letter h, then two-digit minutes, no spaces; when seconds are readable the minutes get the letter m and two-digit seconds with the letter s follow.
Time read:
6h34m37s
